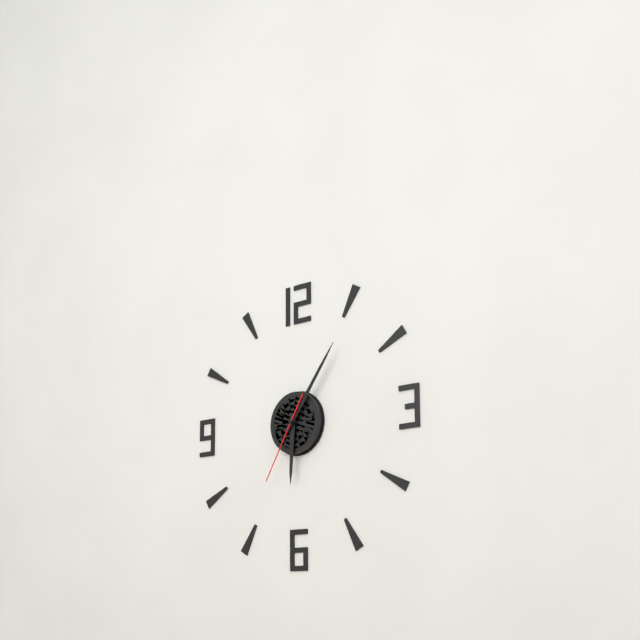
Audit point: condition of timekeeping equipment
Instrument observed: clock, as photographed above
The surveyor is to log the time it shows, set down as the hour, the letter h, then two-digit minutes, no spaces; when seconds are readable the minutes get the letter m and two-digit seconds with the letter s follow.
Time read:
6h06m35s
